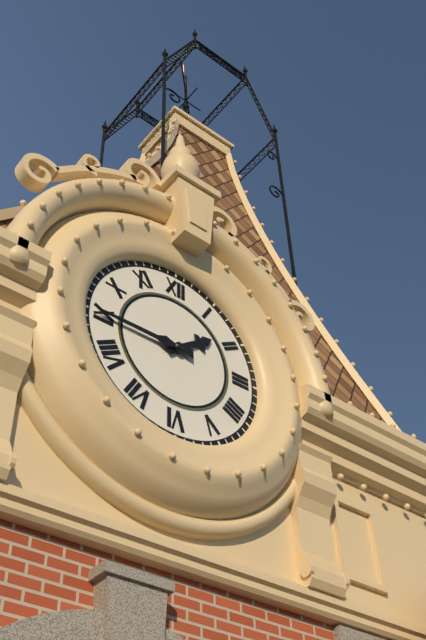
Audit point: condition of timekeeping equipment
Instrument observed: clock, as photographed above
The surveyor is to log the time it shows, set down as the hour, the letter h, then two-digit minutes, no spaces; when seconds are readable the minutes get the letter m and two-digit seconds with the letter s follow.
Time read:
1h45
